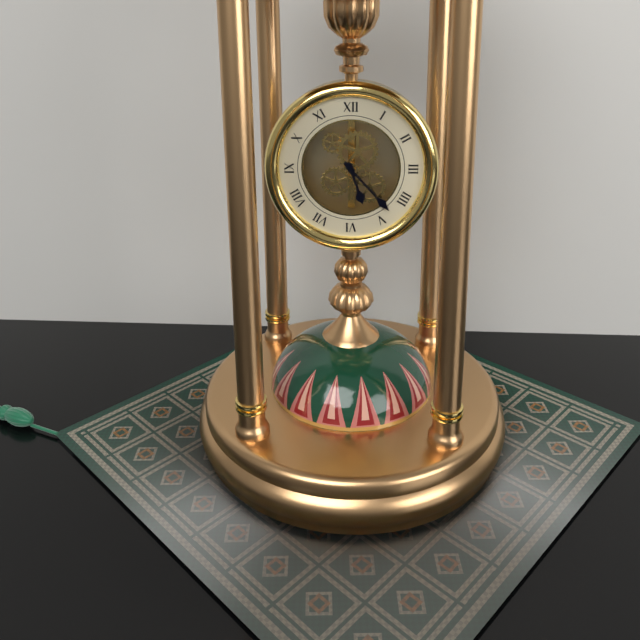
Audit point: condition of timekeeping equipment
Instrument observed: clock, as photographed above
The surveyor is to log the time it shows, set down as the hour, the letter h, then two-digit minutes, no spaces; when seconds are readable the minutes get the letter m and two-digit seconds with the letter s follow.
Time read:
5h23
